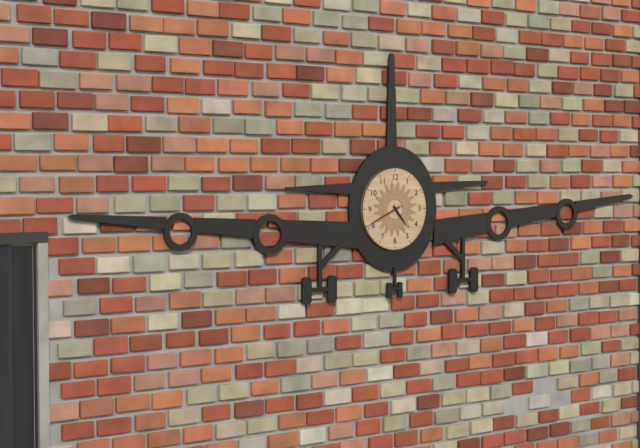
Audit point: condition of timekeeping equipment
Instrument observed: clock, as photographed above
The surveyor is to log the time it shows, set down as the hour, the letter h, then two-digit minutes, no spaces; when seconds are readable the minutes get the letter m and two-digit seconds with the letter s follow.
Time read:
4h41
